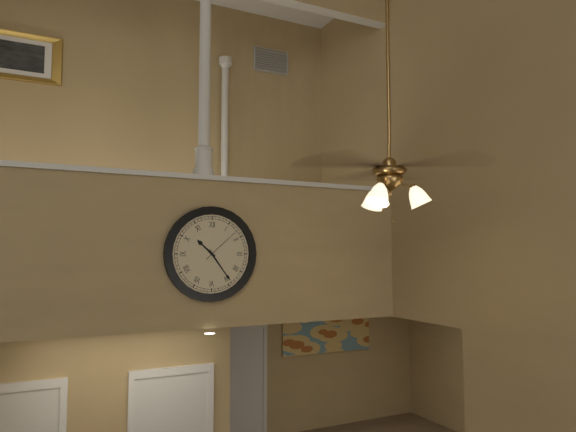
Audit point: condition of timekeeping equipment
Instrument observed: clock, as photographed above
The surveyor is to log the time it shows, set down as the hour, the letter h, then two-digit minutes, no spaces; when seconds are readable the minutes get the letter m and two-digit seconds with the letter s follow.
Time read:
10h24
